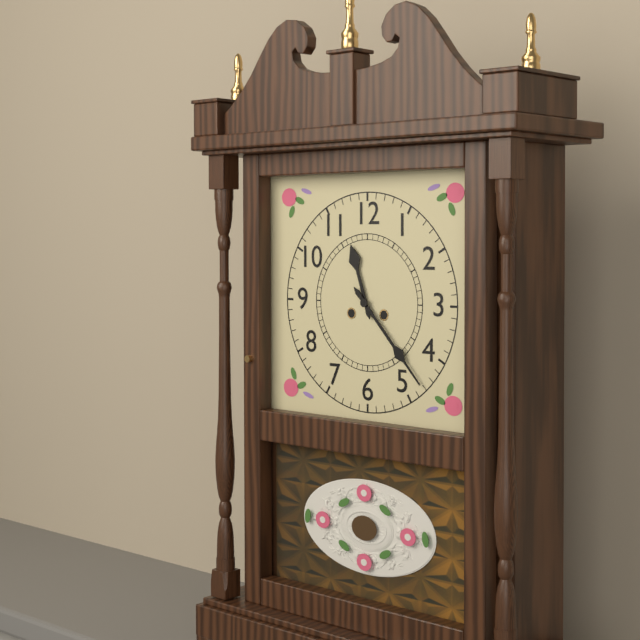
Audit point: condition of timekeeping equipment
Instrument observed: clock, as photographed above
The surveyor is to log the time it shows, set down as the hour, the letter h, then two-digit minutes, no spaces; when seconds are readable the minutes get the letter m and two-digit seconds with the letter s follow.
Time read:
11h23
